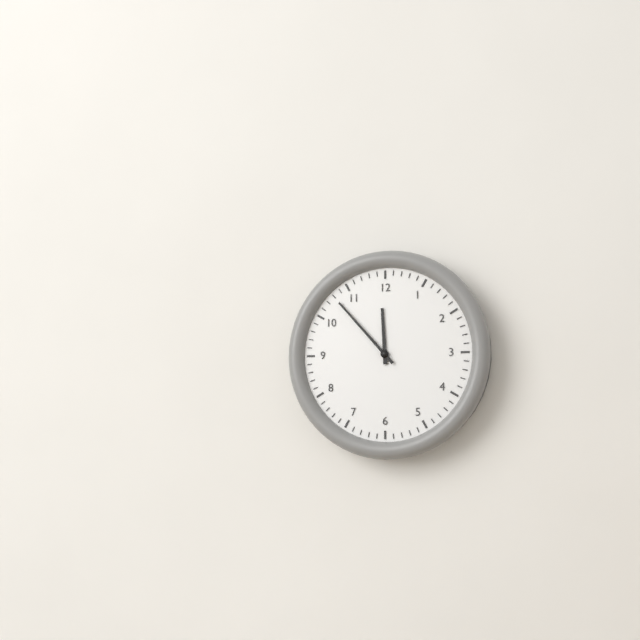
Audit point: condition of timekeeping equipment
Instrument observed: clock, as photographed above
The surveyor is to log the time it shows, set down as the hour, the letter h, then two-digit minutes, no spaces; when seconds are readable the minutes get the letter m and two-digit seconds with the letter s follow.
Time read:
11h53
